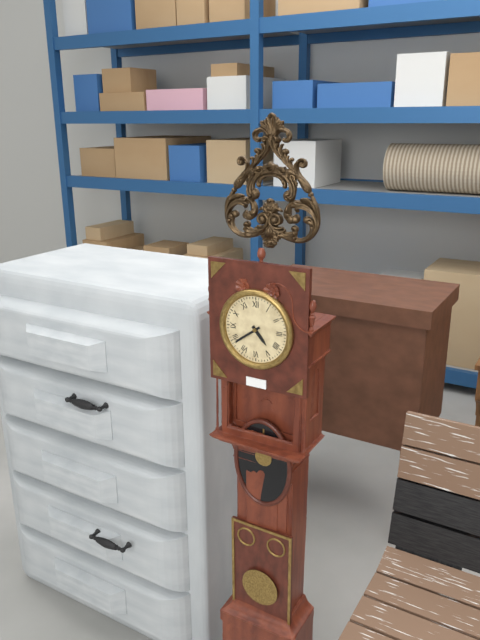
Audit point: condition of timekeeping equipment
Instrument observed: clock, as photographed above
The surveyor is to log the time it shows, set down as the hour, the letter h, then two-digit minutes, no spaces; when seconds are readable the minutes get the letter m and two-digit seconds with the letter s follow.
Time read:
4h39
